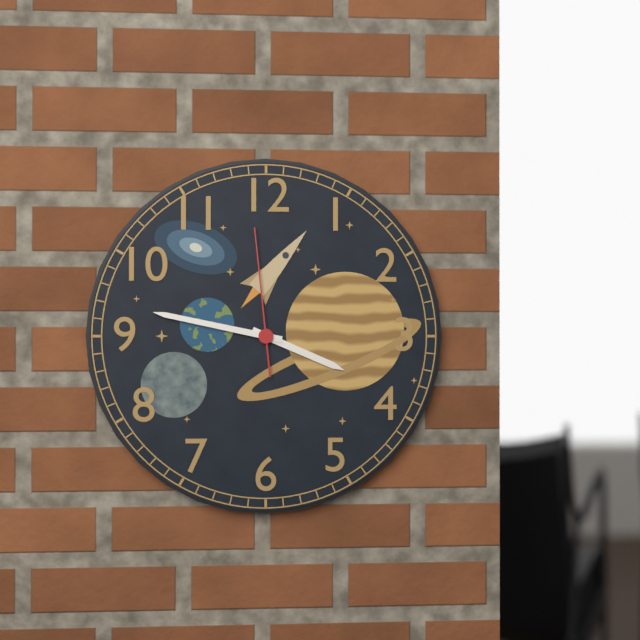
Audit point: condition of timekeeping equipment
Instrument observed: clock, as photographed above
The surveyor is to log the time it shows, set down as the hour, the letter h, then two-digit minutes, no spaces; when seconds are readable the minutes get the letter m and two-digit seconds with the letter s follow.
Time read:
3h47m59s
